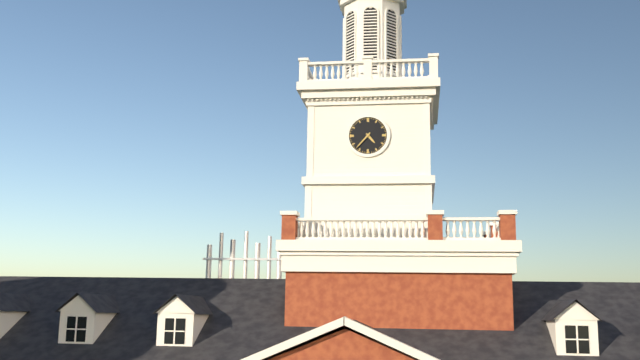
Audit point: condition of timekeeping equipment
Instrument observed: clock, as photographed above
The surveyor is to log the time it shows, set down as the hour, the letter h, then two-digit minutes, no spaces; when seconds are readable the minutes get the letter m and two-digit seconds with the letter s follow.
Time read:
4h37
